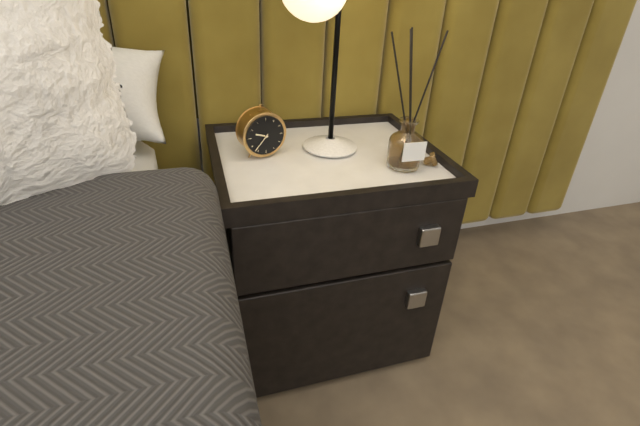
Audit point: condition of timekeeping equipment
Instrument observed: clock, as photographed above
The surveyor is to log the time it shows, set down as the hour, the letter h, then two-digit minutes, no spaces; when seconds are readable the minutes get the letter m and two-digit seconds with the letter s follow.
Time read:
9h37
